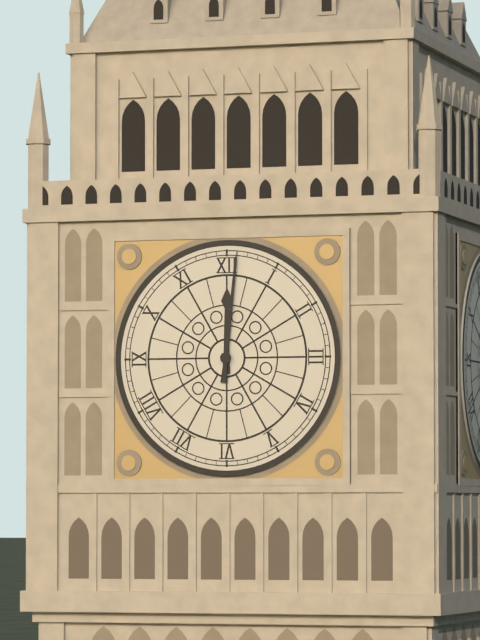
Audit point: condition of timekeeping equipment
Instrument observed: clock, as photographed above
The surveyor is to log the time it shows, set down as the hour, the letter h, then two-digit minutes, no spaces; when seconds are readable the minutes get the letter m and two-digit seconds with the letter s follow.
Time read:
12h01
